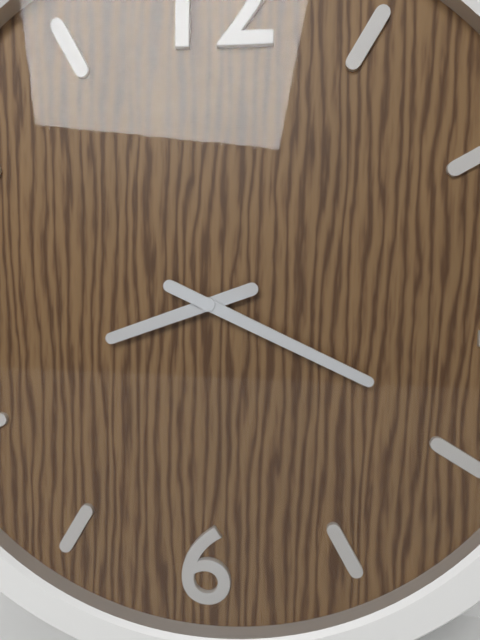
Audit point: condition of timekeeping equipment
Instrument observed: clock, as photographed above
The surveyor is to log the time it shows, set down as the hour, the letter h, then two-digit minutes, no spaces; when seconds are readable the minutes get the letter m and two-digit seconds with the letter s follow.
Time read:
8h19
